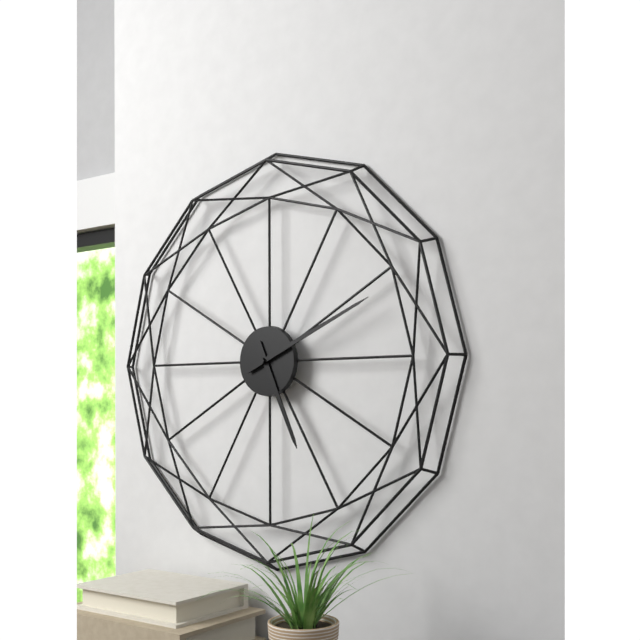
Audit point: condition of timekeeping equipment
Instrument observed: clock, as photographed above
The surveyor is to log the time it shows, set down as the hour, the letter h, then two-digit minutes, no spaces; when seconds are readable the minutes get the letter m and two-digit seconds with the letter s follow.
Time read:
5h11
